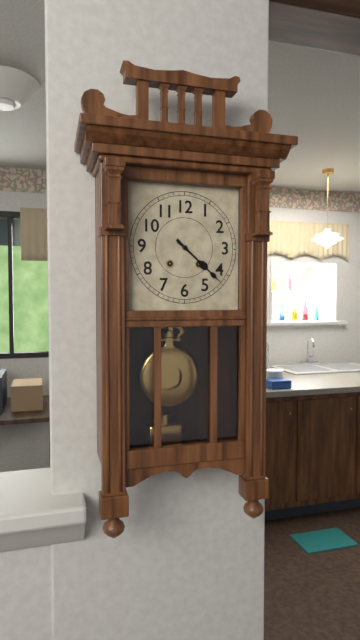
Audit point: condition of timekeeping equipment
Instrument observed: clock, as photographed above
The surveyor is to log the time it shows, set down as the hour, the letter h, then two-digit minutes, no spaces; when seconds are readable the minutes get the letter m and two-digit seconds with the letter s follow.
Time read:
4h22
